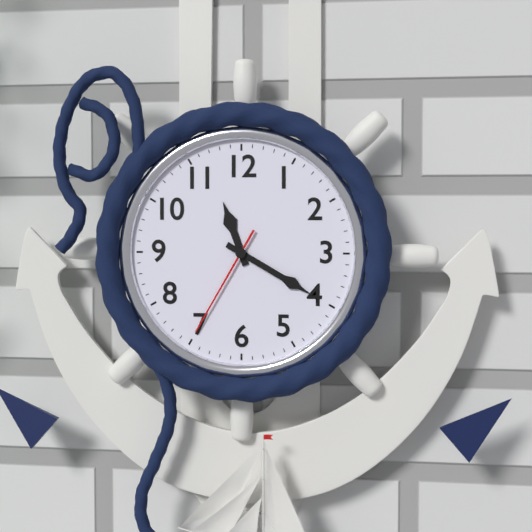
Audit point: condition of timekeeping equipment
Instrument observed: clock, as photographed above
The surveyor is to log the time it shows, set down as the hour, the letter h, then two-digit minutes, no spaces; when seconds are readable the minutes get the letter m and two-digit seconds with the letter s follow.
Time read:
11h20m35s
